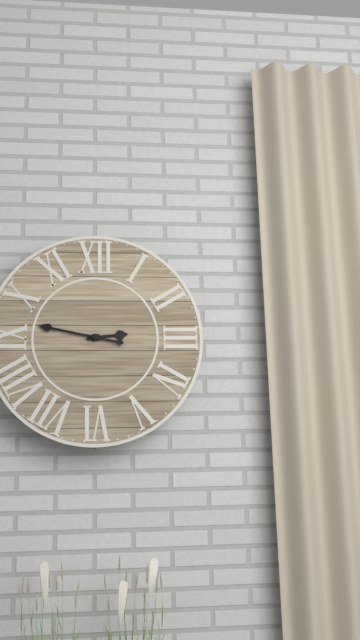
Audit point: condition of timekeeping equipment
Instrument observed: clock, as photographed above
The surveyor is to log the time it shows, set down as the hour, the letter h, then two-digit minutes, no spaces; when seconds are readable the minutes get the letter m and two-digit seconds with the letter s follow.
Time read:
2h47
